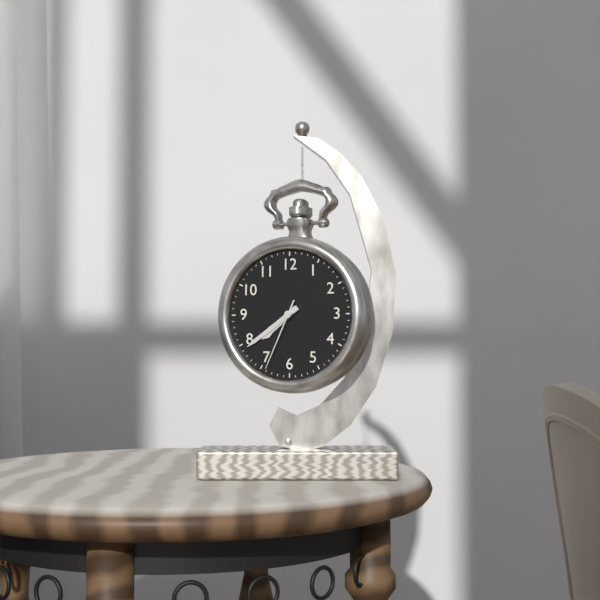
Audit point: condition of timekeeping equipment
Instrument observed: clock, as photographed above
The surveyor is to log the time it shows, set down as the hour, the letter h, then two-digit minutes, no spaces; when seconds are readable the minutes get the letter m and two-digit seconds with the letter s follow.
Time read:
7h39m34s
